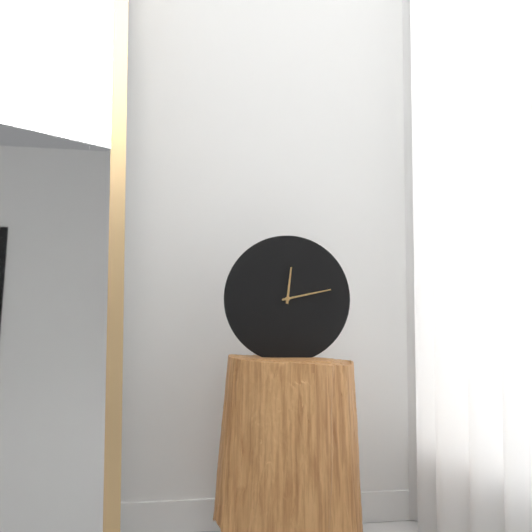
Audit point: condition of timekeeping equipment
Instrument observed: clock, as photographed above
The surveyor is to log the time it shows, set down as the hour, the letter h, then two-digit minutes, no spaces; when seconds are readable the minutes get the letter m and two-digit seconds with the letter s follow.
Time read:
12h13
